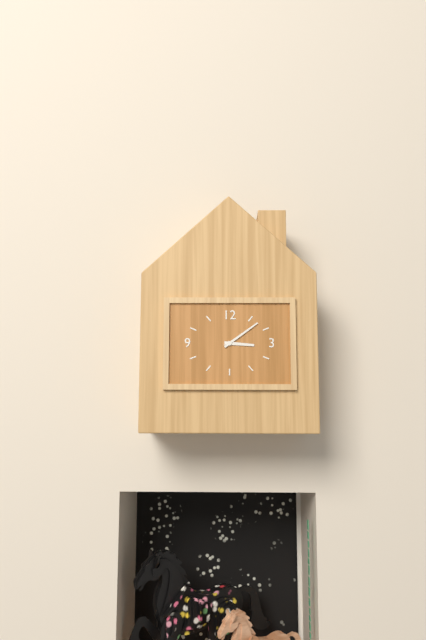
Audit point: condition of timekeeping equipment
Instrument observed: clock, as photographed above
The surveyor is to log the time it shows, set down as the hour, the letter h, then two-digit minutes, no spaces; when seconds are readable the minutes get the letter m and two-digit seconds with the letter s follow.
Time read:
3h09
